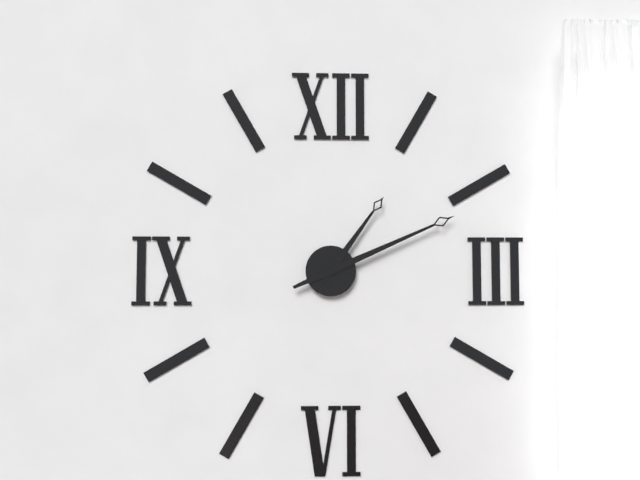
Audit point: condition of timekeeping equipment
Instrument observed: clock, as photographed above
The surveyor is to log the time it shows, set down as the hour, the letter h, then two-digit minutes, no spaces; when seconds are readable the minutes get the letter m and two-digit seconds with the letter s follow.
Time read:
1h11
